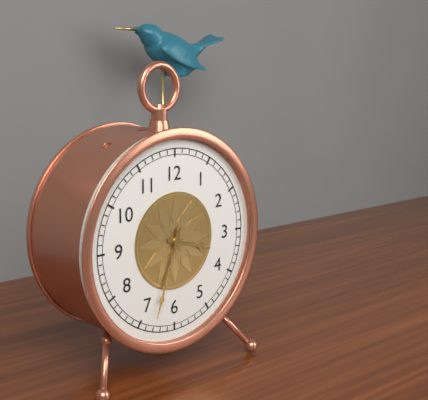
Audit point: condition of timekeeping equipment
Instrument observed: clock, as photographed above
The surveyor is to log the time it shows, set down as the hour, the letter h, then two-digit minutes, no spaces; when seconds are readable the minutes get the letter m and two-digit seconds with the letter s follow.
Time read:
3h33
